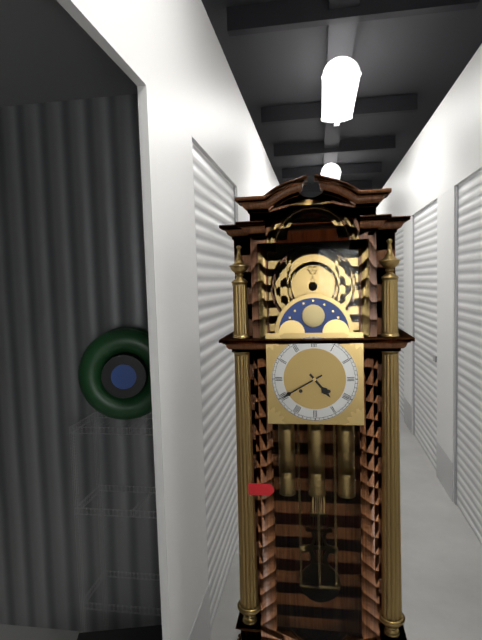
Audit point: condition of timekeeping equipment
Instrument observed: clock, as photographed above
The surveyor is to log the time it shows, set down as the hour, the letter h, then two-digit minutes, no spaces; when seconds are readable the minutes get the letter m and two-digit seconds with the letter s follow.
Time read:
4h40
